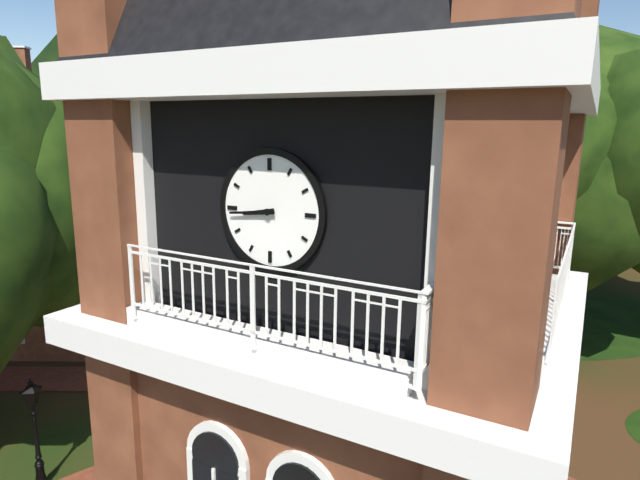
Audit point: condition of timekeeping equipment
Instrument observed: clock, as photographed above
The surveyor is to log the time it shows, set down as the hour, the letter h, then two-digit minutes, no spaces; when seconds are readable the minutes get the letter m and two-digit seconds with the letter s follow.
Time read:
8h44
